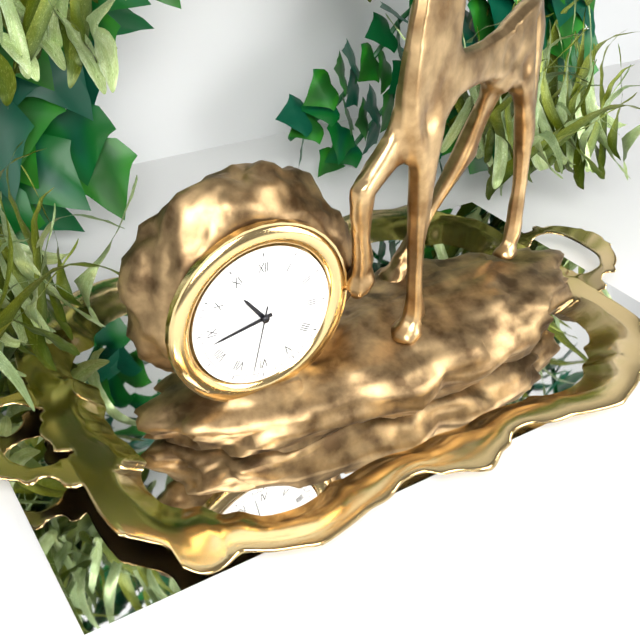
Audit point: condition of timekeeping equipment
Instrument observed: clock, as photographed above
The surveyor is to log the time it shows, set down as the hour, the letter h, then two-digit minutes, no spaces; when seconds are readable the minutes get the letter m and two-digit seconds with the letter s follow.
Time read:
10h43m32s
